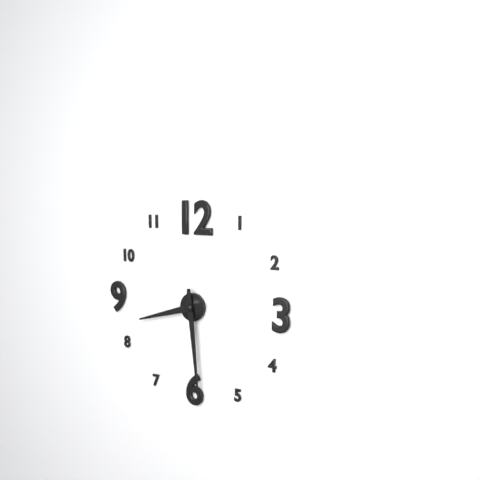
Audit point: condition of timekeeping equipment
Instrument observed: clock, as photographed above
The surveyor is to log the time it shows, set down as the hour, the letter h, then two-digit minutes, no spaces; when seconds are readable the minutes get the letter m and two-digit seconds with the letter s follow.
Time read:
8h29
